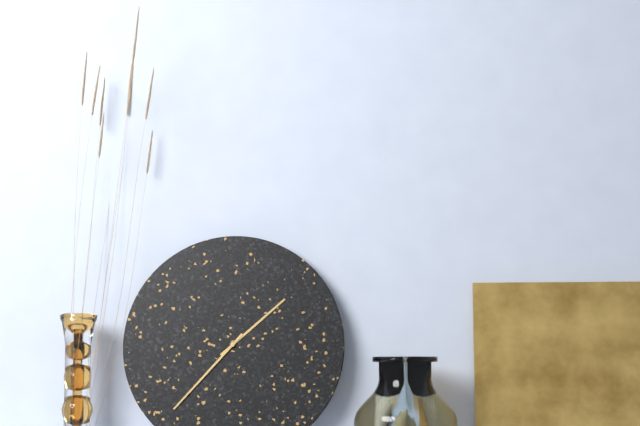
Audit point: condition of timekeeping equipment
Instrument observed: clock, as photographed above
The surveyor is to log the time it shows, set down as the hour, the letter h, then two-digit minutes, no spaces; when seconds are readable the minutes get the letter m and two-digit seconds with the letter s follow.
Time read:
1h37
